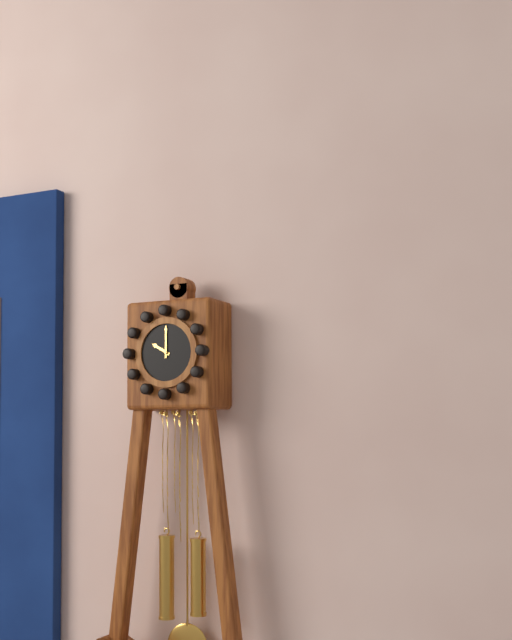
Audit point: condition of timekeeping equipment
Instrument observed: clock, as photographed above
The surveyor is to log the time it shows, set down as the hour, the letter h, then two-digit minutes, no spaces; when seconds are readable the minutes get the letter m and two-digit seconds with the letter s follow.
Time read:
10h00
